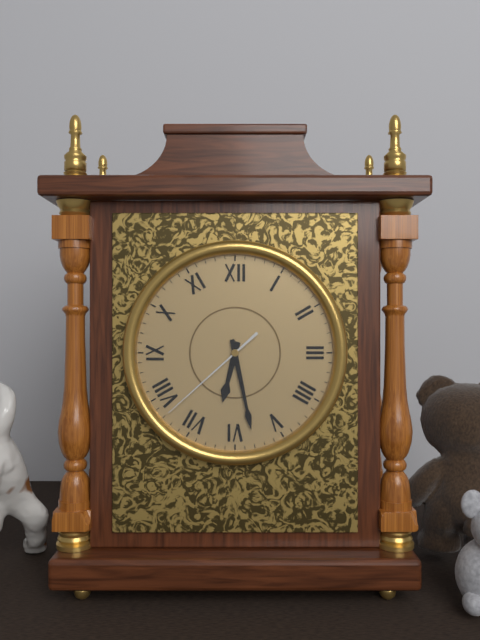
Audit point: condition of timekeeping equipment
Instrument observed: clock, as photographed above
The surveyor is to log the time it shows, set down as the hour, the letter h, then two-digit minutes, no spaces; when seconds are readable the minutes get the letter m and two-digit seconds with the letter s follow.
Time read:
6h28m38s
